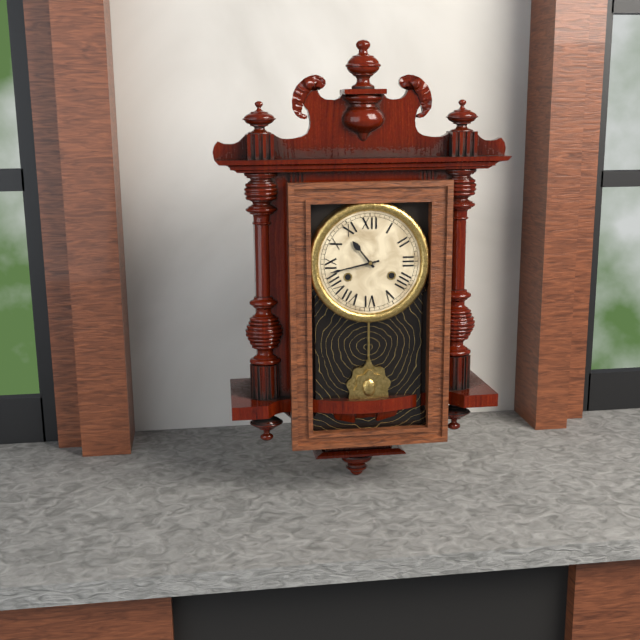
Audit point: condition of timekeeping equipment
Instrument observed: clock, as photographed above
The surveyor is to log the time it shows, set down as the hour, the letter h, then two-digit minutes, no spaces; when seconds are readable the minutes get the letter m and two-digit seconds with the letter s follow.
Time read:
10h43
